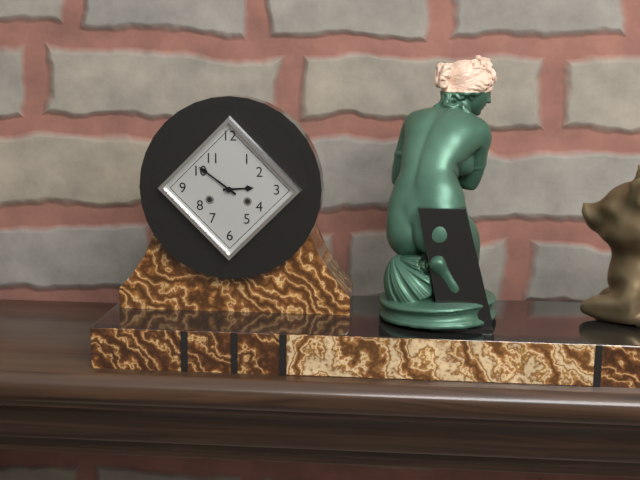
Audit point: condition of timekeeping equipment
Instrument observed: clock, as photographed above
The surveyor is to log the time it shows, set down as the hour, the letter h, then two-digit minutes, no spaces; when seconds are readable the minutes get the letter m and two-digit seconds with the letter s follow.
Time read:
2h51
